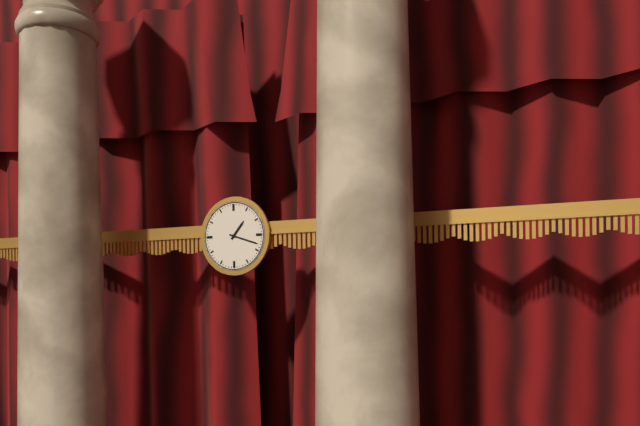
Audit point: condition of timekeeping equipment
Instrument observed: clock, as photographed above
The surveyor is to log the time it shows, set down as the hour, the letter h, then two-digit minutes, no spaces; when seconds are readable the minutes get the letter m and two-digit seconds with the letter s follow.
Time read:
1h18
